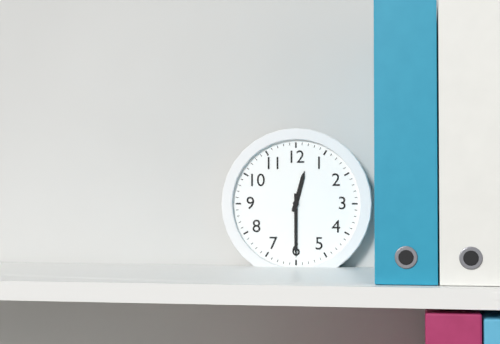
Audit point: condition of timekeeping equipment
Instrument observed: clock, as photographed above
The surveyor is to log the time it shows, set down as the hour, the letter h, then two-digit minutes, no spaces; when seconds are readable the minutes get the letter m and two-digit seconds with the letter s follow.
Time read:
12h30
